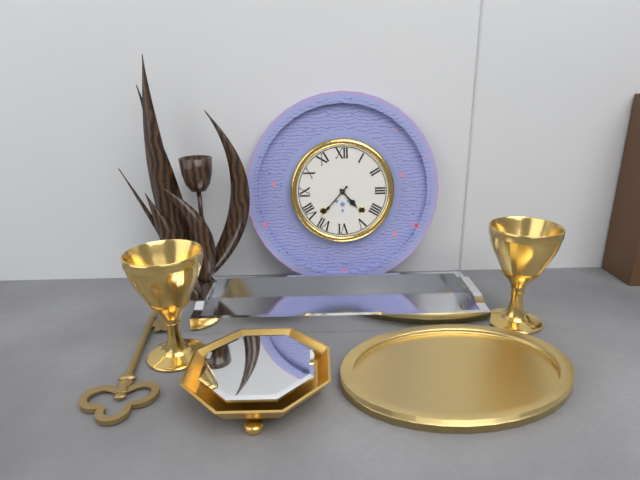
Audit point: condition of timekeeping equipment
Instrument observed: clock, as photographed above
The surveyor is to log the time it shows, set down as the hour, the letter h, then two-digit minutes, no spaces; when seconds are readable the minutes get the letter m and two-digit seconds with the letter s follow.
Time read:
4h37
